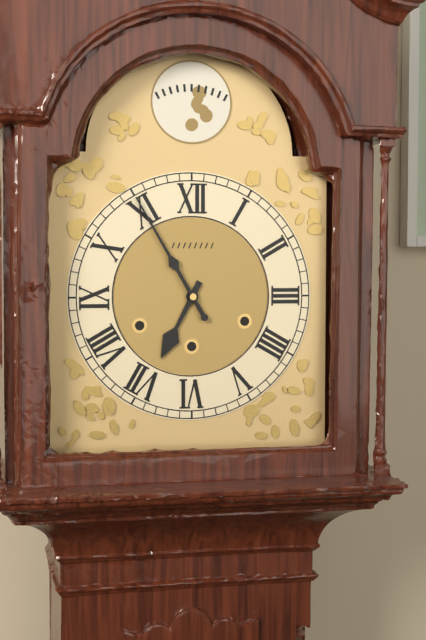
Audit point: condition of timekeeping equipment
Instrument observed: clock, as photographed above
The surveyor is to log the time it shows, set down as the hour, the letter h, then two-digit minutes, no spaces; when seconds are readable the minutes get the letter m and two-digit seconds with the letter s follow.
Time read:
6h55
